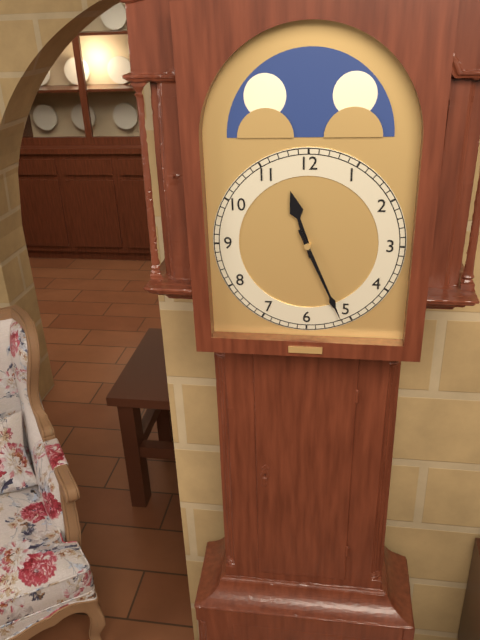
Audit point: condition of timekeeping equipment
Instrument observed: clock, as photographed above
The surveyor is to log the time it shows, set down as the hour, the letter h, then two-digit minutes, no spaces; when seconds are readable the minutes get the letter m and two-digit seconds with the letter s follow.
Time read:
11h26
